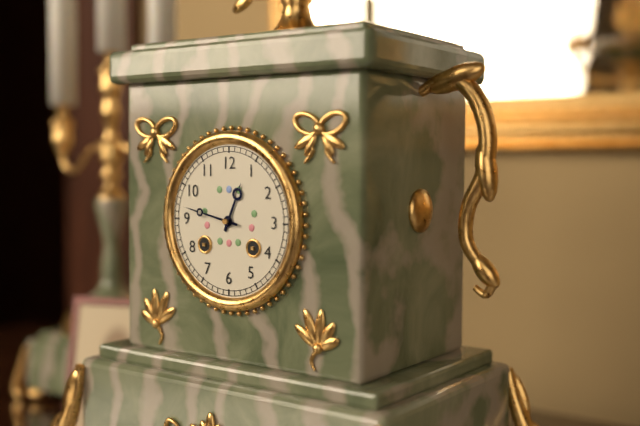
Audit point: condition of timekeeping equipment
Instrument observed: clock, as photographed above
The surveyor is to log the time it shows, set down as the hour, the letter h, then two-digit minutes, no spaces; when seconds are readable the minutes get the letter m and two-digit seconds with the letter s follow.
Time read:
12h47
